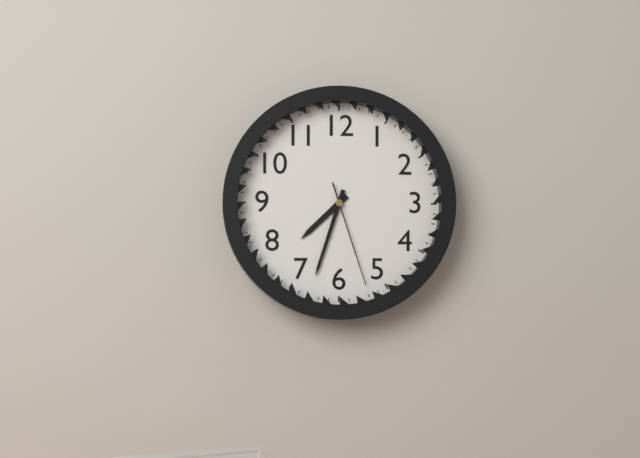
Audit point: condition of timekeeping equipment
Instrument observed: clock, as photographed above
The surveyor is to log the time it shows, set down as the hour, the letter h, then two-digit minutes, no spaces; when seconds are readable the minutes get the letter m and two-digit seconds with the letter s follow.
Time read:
7h33m27s
